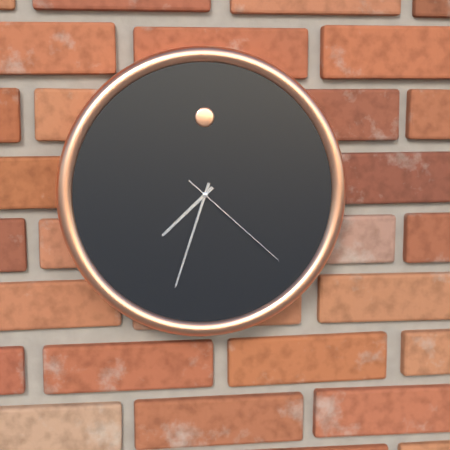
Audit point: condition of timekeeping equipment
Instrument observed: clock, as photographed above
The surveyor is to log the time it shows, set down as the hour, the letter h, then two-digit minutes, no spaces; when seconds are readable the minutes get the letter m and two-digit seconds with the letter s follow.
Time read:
7h33m22s
